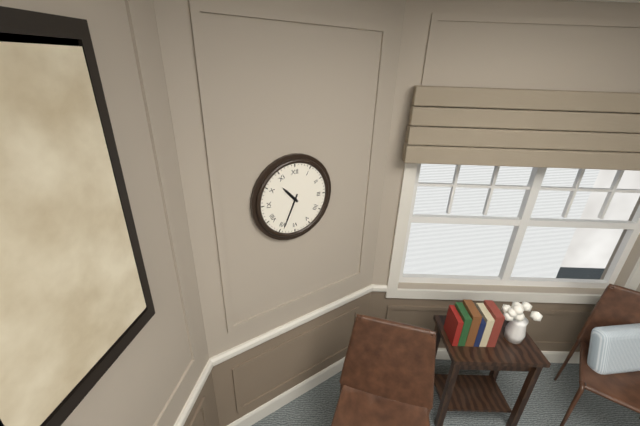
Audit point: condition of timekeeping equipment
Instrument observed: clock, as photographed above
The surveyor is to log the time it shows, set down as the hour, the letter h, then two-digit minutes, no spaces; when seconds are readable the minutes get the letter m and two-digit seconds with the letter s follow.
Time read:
10h34
